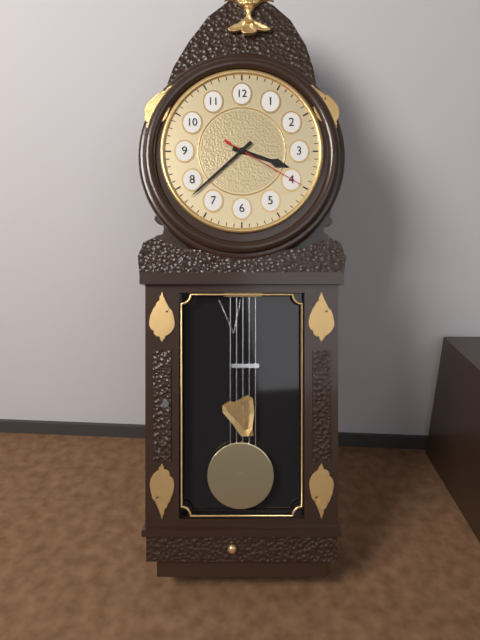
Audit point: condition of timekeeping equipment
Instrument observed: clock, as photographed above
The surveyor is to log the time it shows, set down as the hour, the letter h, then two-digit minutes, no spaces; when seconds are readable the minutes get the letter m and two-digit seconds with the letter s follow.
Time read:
3h38m20s
